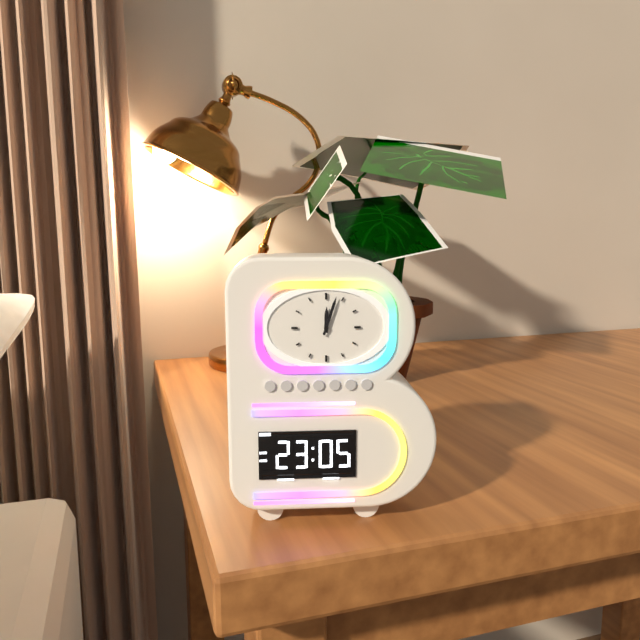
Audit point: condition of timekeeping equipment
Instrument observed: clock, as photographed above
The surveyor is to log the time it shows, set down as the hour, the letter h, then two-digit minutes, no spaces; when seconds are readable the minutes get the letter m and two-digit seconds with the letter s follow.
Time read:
12h03
